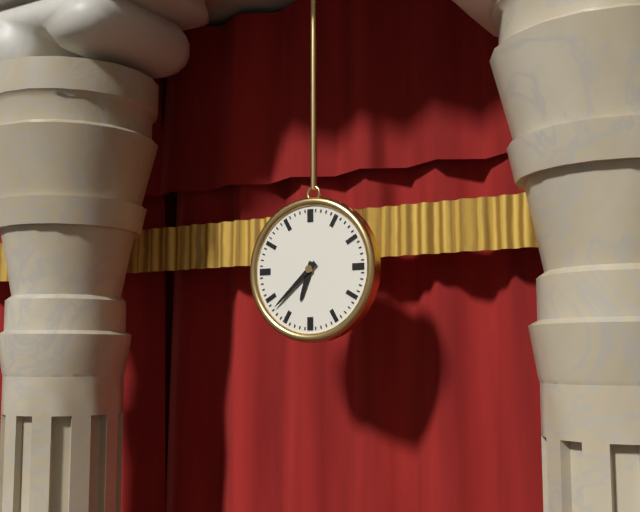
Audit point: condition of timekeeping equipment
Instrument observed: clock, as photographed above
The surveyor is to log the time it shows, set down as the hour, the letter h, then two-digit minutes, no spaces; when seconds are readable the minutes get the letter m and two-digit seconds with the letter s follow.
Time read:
6h38
